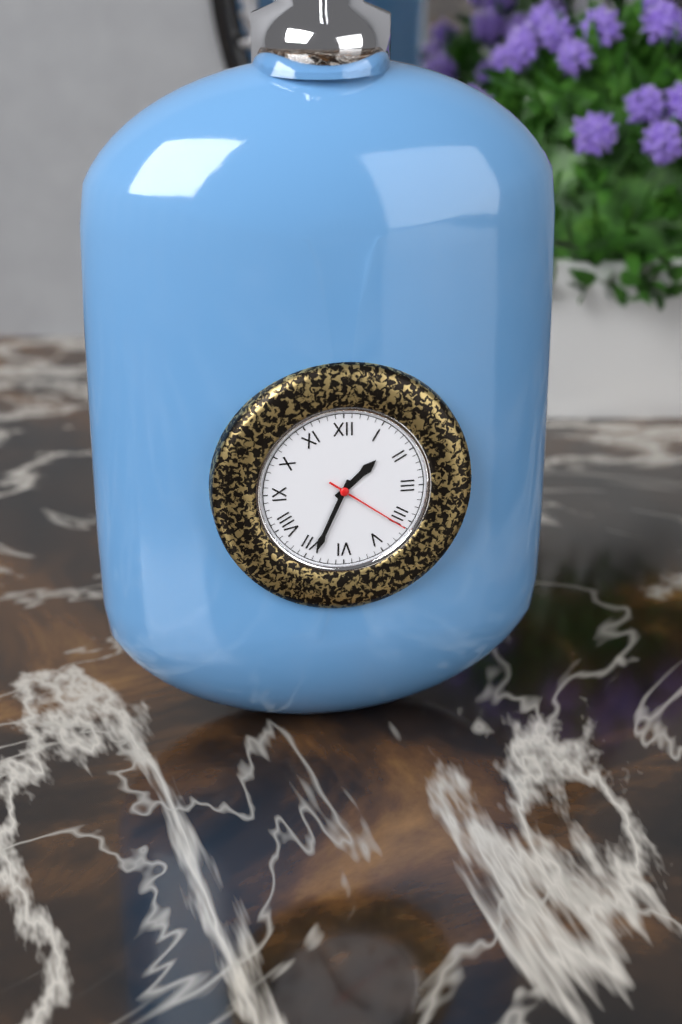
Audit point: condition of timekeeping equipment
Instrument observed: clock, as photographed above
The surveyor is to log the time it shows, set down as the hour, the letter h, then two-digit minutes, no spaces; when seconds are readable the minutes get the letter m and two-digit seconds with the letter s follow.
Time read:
1h34m21s
